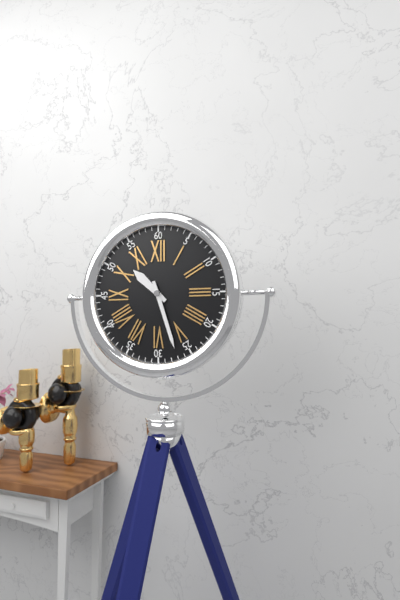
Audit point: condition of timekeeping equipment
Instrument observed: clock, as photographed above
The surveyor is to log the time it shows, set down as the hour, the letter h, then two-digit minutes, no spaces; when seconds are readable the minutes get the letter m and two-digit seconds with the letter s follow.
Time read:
10h27
